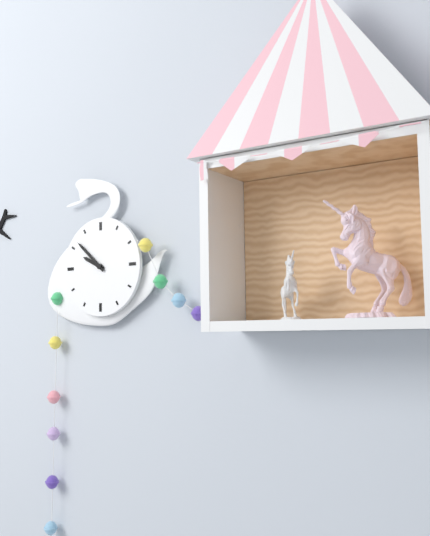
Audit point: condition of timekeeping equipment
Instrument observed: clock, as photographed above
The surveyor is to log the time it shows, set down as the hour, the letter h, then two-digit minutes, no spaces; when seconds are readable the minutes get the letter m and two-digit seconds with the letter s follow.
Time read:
9h52
